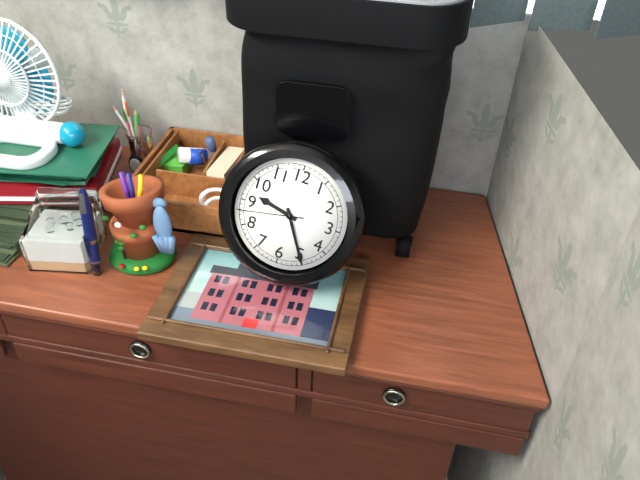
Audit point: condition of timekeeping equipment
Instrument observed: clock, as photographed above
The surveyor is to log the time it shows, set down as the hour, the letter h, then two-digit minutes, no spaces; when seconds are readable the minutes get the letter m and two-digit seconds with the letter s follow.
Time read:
9h25m43s
